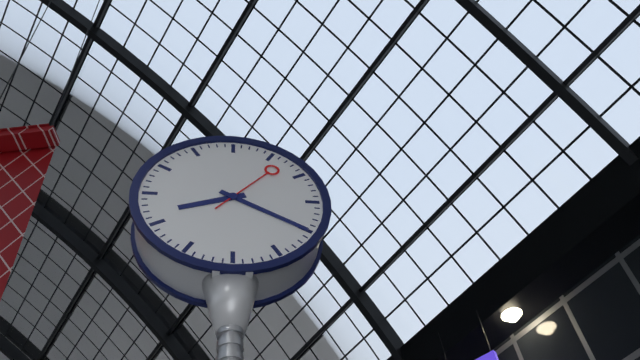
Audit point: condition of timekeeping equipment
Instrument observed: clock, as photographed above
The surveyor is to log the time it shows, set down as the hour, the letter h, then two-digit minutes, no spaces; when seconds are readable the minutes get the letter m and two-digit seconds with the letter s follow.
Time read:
8h20m07s
